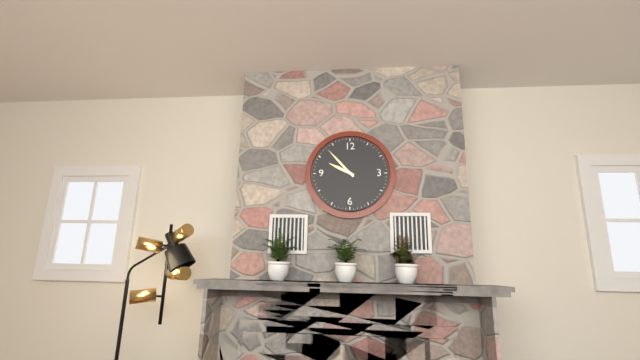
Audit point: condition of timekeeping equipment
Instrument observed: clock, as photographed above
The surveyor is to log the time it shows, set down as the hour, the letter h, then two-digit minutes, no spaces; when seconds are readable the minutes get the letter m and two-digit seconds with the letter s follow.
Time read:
9h53
